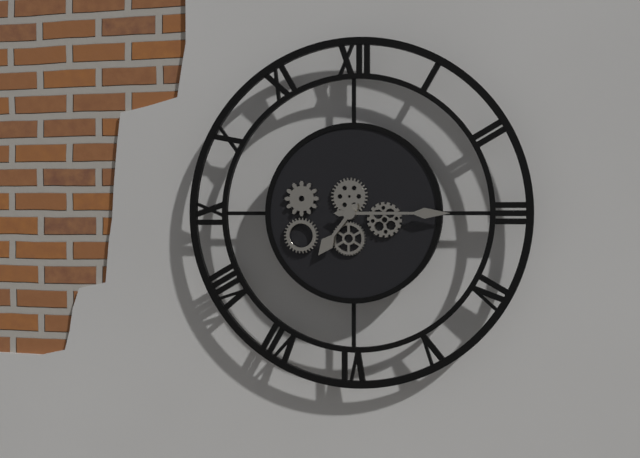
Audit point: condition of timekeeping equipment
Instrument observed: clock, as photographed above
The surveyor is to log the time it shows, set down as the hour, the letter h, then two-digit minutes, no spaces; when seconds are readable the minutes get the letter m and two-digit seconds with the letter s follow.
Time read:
7h15
